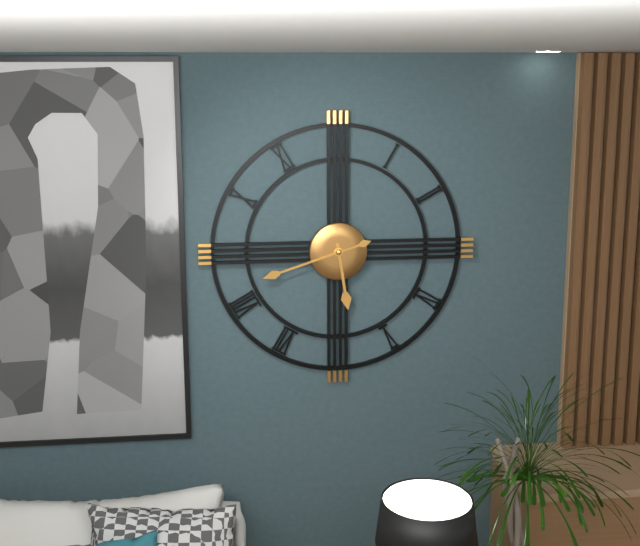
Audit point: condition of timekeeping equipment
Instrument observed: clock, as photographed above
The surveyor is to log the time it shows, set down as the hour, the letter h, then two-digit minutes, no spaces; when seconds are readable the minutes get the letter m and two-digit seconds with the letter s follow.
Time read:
5h42
